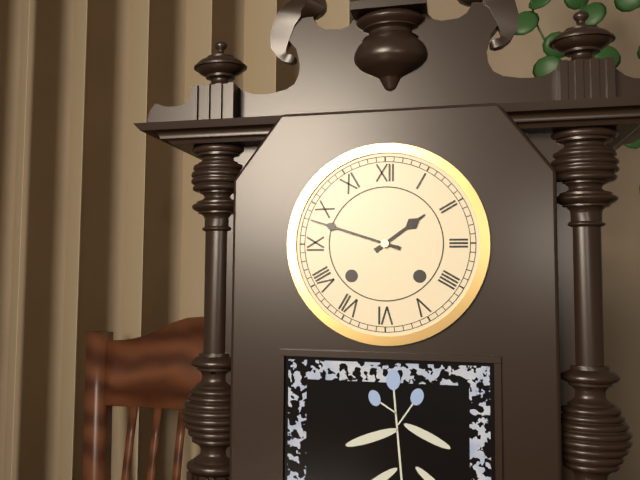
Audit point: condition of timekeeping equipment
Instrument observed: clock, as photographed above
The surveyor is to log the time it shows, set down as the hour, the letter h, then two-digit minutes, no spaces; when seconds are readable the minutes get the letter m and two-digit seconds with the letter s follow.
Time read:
1h48
